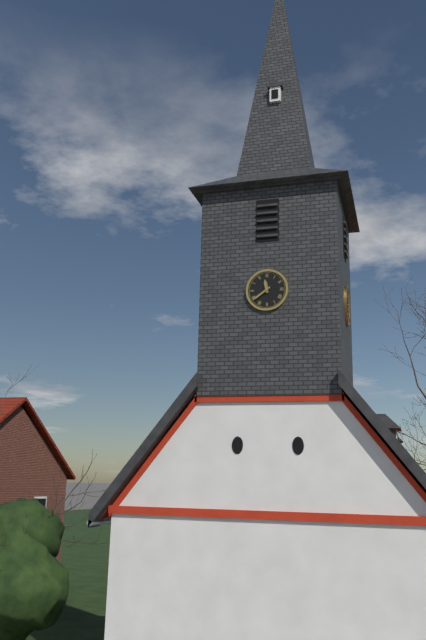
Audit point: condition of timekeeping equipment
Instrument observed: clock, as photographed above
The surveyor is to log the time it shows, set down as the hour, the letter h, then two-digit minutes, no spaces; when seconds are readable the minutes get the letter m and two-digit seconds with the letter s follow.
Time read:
11h39
